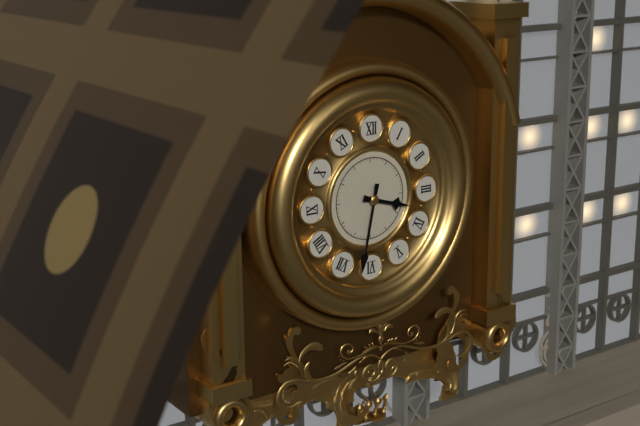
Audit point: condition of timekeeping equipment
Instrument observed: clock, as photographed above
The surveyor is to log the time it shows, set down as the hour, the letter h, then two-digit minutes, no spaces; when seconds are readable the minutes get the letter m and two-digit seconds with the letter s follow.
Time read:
3h32
